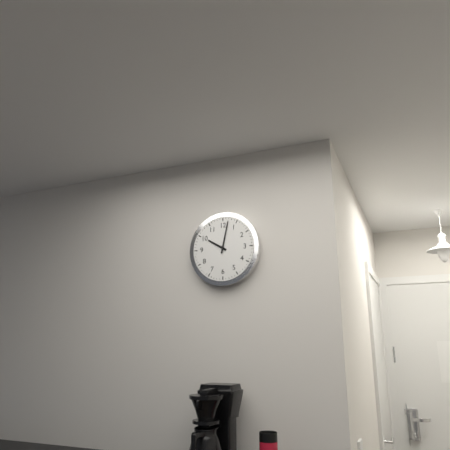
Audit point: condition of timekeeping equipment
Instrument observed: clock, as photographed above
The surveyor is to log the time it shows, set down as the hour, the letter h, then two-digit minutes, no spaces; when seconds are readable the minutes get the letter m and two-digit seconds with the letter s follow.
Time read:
10h02
